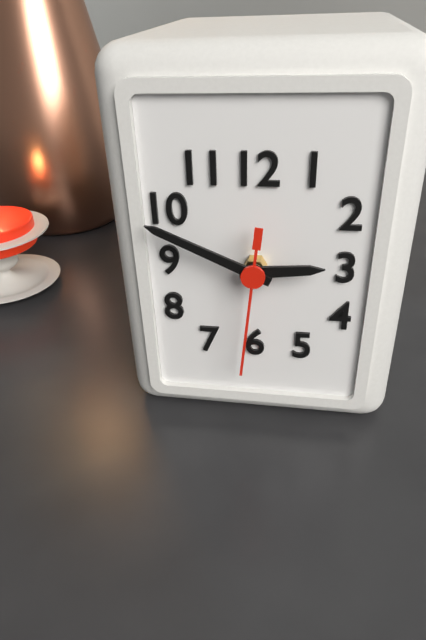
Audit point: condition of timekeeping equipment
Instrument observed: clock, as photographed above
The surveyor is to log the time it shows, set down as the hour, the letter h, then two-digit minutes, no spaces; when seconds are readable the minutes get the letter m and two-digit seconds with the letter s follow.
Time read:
2h49m31s
